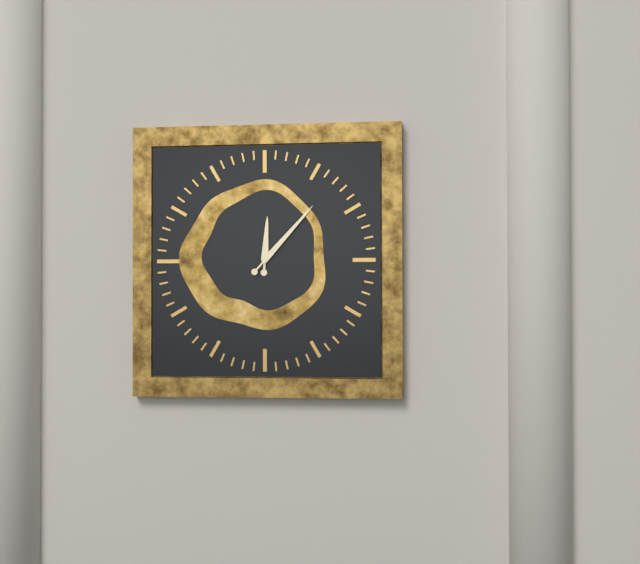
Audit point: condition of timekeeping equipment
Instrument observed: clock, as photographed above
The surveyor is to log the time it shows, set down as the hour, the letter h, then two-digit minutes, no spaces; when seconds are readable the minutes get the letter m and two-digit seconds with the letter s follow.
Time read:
12h07
